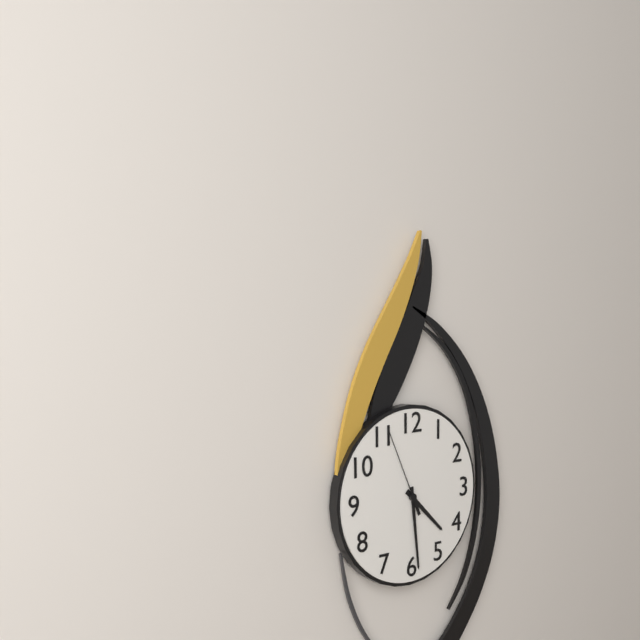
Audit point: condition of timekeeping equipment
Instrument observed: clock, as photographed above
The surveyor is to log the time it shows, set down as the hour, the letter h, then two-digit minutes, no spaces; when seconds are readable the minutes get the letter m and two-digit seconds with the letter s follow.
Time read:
4h29m56s
